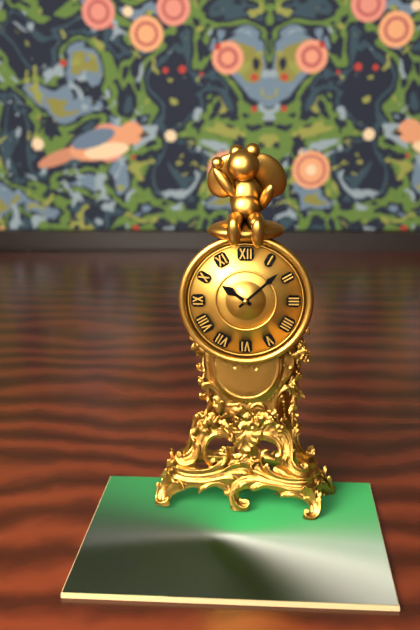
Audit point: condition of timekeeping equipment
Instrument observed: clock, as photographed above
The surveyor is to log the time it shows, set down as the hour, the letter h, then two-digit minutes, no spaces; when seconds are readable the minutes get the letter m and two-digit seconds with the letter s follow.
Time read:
10h08
